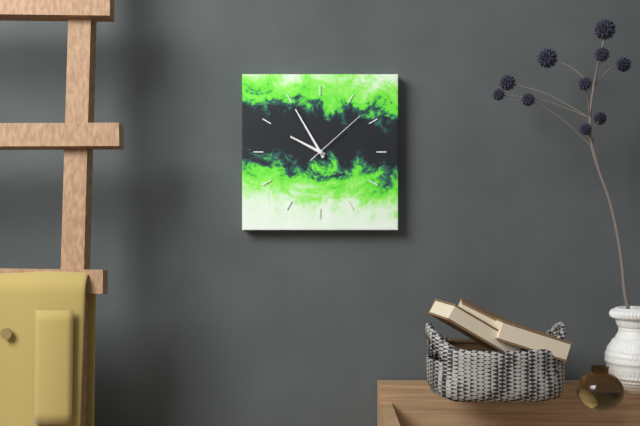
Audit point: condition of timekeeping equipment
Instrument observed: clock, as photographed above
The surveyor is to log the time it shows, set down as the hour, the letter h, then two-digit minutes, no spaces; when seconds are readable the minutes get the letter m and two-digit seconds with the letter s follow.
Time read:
9h55m08s
